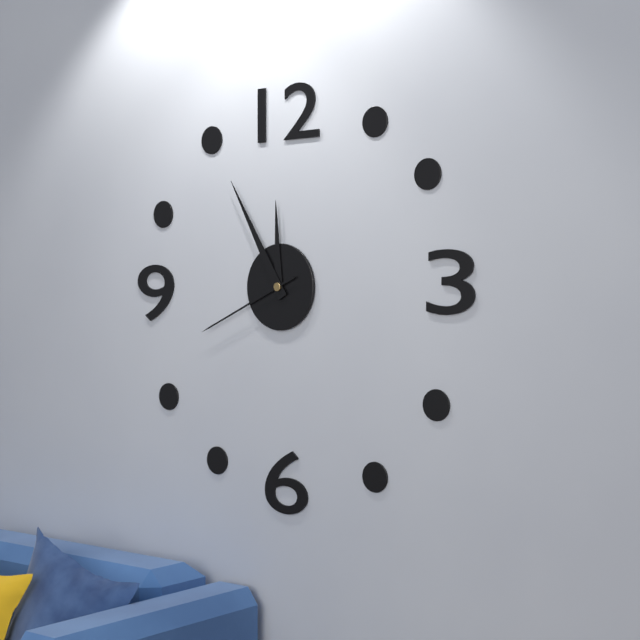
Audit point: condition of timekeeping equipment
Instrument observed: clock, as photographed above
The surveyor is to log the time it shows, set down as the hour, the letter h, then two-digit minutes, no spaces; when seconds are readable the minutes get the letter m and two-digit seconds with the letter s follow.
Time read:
11h55m41s
